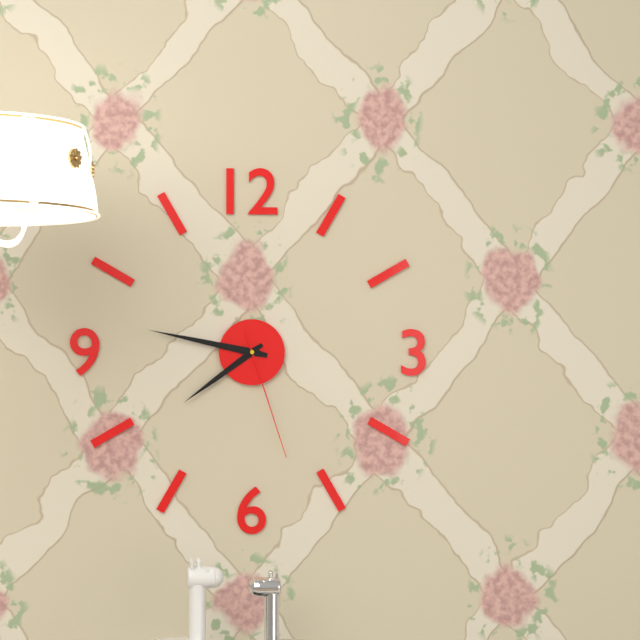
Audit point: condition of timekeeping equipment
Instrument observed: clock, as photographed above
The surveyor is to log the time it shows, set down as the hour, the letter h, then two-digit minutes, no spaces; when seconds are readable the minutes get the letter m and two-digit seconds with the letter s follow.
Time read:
7h47m27s
